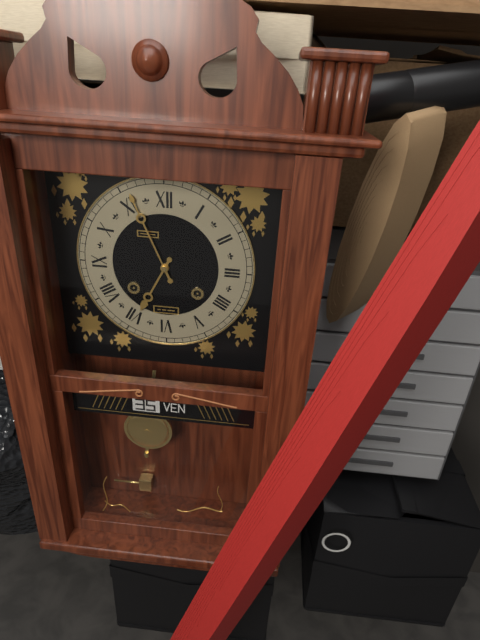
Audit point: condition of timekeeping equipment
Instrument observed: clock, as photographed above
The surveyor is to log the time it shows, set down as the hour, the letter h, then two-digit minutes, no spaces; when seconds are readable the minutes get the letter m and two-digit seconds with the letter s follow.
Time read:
6h56
